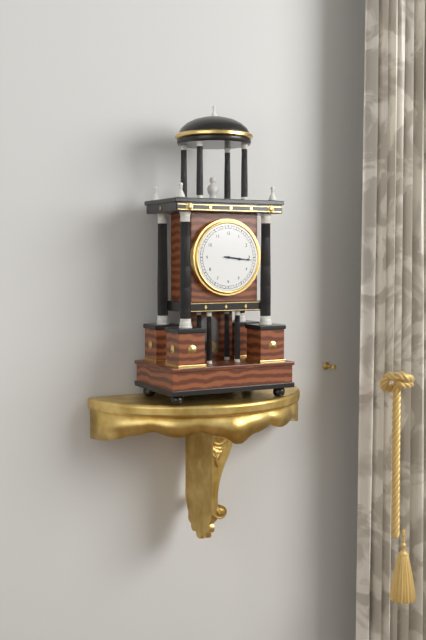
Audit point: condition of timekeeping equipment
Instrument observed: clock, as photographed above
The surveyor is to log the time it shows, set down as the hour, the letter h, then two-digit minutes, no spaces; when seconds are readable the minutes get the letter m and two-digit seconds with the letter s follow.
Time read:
3h16
